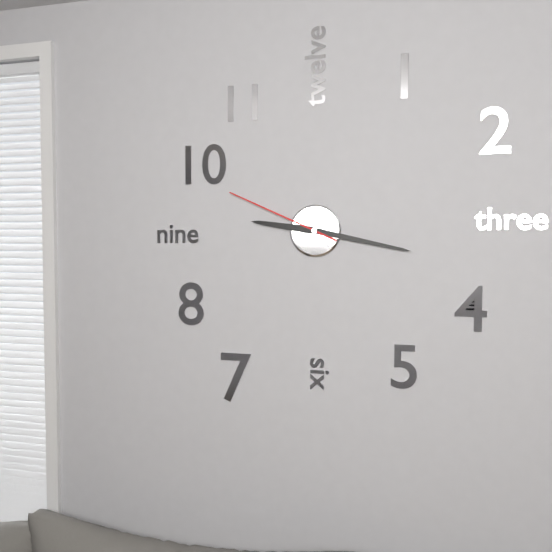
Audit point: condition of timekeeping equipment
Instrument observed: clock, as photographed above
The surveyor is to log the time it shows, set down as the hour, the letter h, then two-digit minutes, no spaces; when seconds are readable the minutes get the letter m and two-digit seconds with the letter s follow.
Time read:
9h17m49s
